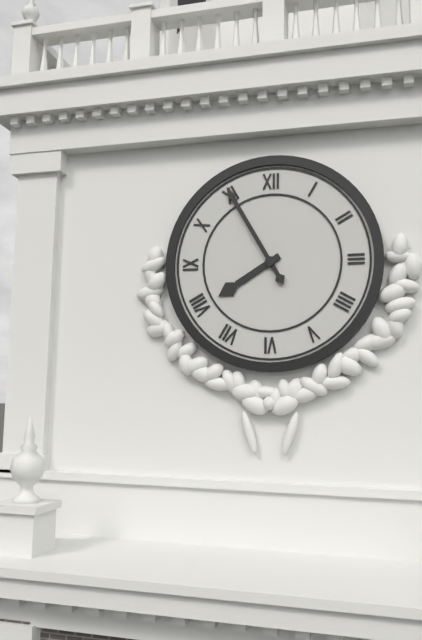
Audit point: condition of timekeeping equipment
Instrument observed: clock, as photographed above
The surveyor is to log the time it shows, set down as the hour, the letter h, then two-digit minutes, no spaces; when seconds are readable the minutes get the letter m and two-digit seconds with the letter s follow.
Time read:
7h55
